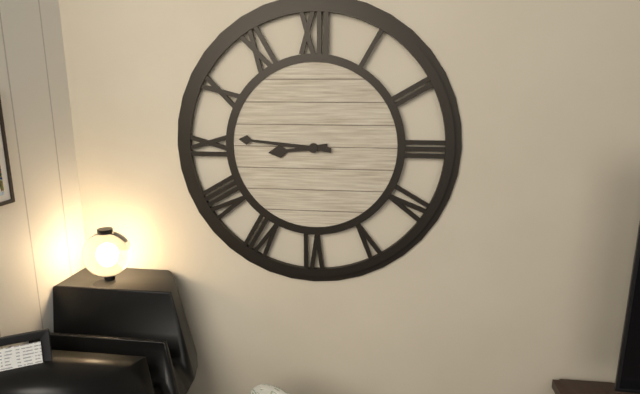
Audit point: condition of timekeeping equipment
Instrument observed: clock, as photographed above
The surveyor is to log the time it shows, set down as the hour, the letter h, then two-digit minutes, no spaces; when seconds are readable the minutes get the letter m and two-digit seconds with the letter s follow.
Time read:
8h46
